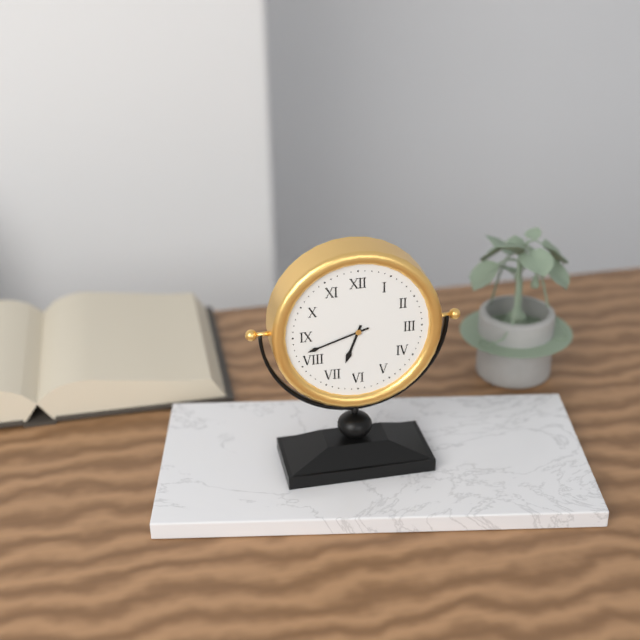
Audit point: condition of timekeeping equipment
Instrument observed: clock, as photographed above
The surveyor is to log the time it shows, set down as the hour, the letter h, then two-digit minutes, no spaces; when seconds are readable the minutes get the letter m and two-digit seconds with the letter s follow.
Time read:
6h42
